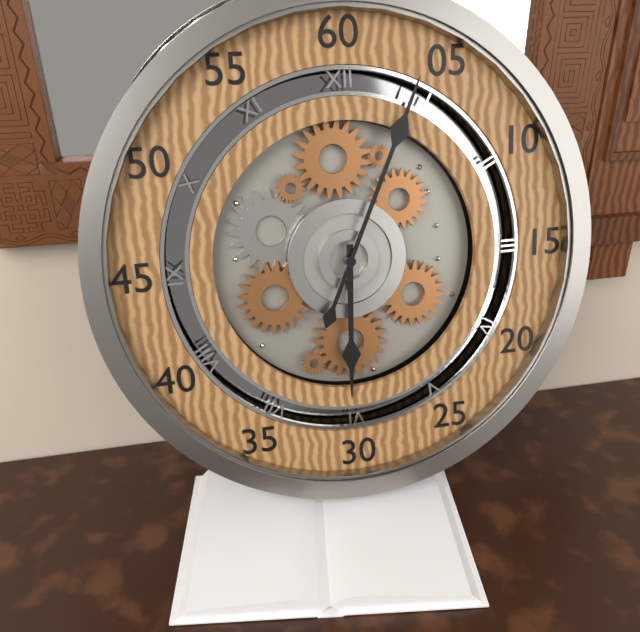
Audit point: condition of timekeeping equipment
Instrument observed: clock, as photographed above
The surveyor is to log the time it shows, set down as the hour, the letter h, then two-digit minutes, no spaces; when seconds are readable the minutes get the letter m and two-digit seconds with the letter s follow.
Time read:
6h04
